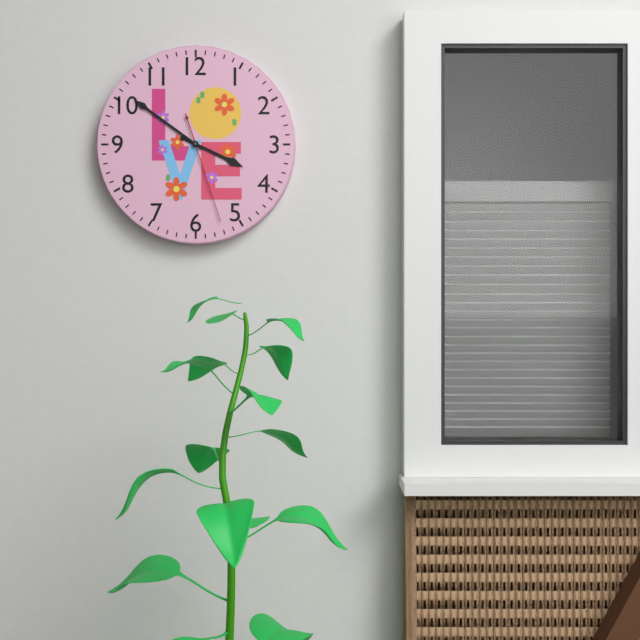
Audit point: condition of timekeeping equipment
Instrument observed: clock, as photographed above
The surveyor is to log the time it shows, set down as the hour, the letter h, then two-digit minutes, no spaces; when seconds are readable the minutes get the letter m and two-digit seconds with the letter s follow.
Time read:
3h51m27s
